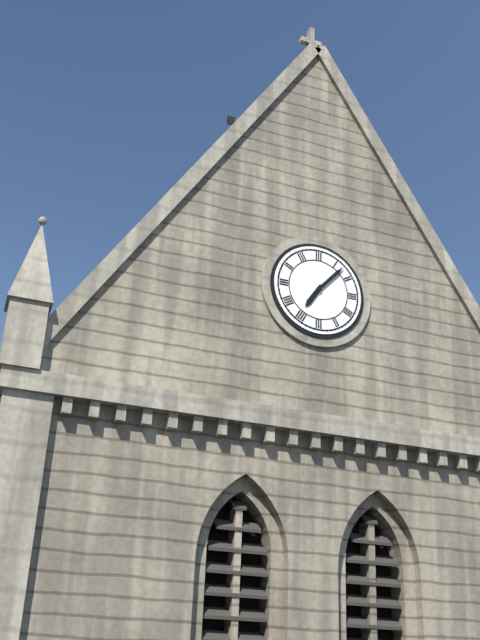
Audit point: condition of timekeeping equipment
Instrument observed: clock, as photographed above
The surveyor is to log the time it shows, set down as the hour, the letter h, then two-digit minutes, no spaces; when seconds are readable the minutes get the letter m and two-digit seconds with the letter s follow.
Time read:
7h07
